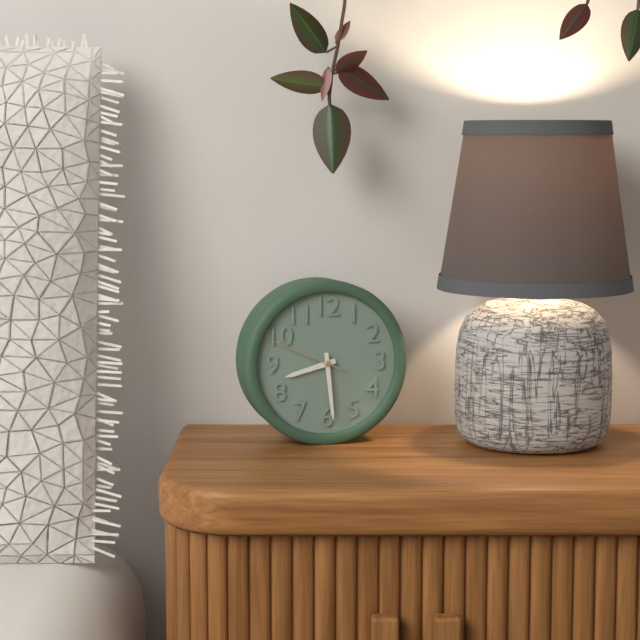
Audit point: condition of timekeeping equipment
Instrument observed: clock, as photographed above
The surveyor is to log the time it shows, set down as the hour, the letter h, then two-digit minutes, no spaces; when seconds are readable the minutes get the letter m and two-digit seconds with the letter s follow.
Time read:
8h29m49s
